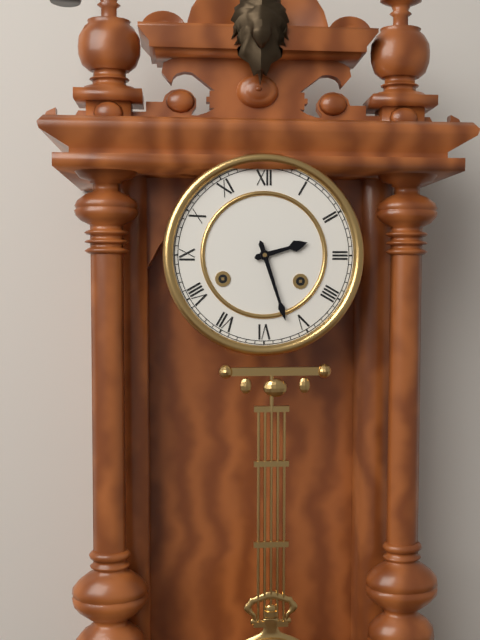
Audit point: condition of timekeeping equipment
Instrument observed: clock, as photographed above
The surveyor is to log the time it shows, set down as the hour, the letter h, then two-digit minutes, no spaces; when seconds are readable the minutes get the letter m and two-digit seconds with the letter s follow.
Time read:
2h27
